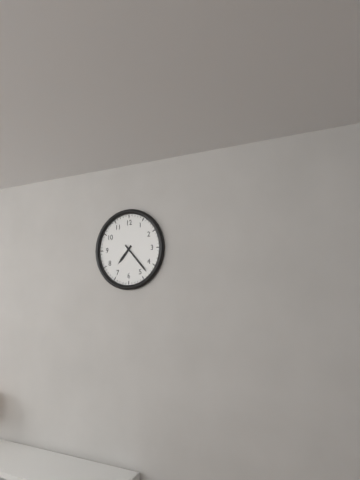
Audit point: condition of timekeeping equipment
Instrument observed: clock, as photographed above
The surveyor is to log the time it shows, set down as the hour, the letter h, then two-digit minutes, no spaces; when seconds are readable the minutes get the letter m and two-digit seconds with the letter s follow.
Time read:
7h23
